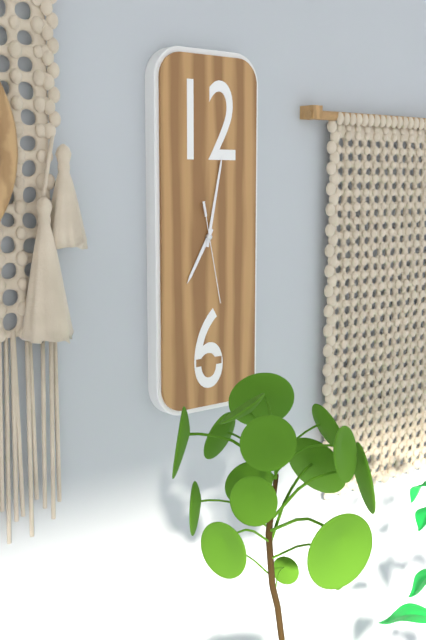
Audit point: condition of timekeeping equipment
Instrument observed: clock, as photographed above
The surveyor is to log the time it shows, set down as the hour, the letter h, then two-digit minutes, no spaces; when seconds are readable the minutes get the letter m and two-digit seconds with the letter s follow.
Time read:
7h02m28s
